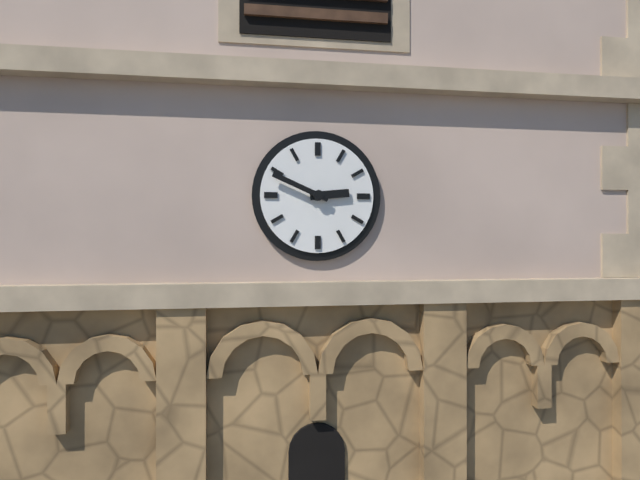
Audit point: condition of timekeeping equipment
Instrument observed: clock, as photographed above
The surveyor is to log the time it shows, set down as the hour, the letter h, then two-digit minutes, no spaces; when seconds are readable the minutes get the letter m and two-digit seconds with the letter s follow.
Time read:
2h49
